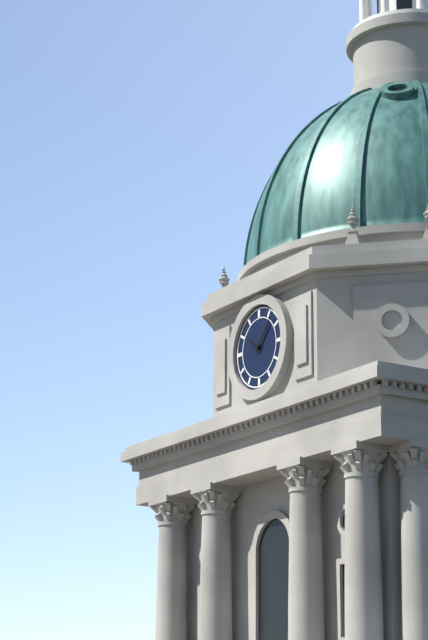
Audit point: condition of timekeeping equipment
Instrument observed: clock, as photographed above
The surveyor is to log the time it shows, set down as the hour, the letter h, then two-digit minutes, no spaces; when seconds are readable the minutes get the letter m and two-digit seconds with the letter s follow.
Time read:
10h07
